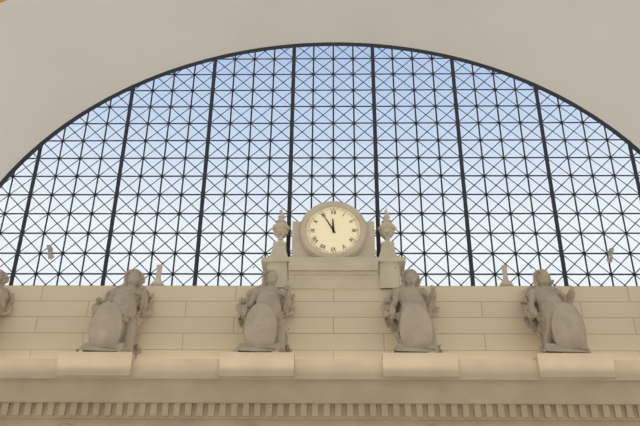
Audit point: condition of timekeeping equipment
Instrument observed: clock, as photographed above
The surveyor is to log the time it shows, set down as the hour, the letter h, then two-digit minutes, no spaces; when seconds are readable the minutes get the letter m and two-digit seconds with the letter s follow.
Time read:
11h55
